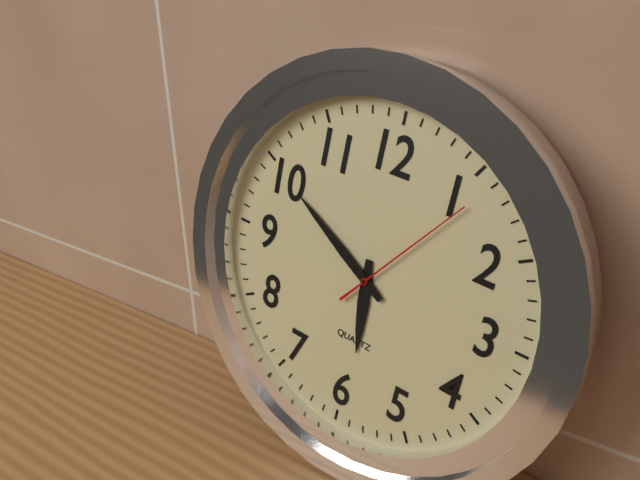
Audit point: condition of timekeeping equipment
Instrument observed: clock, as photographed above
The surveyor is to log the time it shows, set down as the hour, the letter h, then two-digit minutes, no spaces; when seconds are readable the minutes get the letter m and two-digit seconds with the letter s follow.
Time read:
5h50m06s
